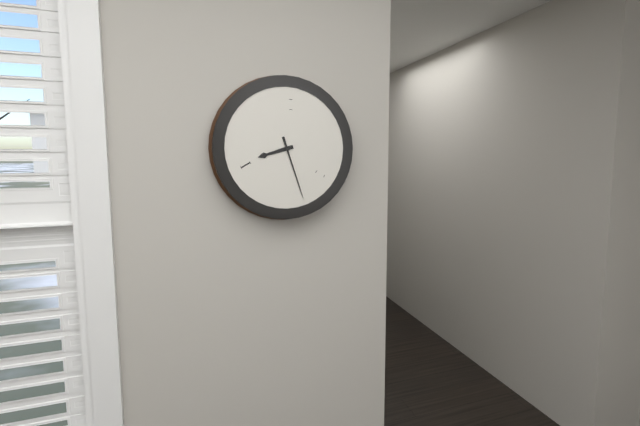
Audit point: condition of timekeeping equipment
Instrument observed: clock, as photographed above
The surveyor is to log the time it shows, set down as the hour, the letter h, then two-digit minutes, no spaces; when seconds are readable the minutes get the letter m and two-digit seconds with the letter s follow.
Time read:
8h27
